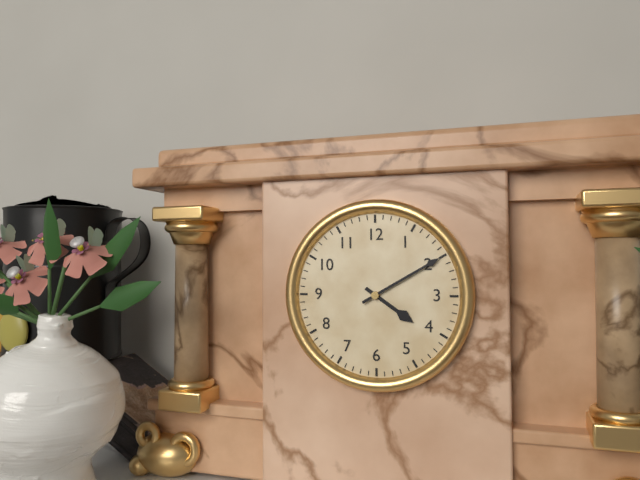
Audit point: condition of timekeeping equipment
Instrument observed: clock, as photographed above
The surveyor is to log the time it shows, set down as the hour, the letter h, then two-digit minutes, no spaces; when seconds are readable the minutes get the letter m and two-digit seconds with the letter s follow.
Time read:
4h10
